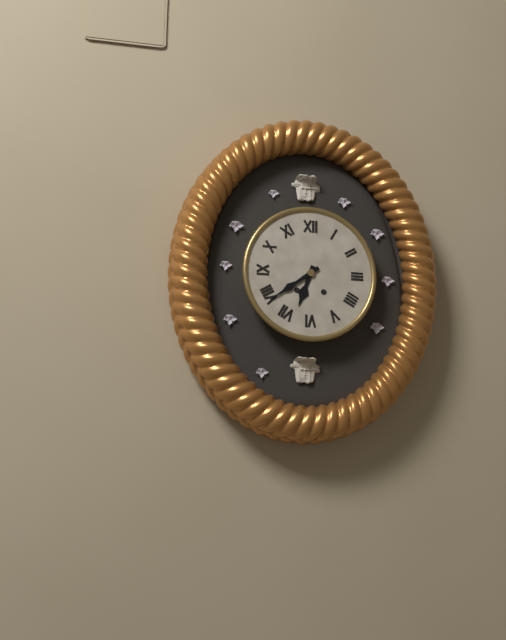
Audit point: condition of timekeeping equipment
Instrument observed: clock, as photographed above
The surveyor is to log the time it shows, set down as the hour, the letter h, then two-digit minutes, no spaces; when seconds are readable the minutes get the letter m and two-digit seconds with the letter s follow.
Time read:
6h39
